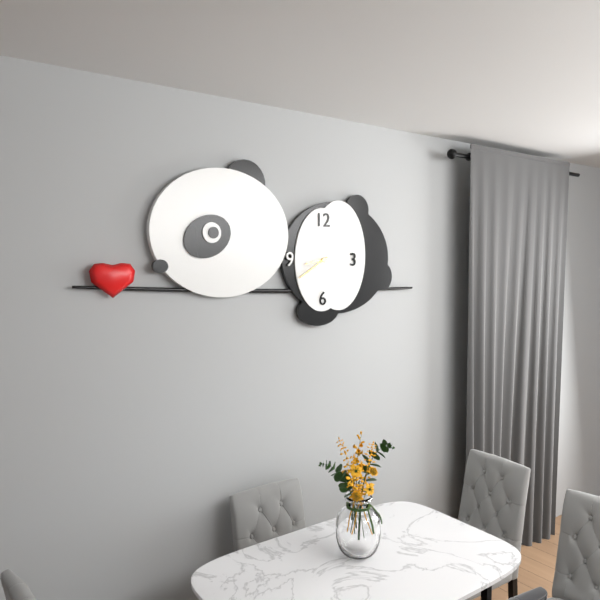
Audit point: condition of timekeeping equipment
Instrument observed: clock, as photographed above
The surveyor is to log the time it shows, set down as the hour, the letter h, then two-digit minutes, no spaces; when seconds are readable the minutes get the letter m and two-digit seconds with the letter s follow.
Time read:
8h40
